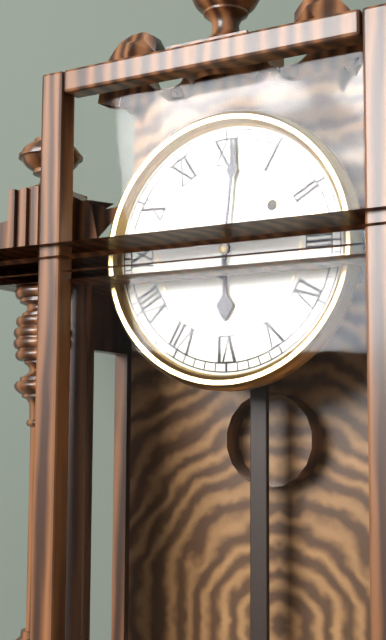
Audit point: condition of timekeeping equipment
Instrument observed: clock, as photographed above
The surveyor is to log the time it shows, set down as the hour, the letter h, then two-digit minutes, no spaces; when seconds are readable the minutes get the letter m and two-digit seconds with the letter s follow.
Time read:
6h01
